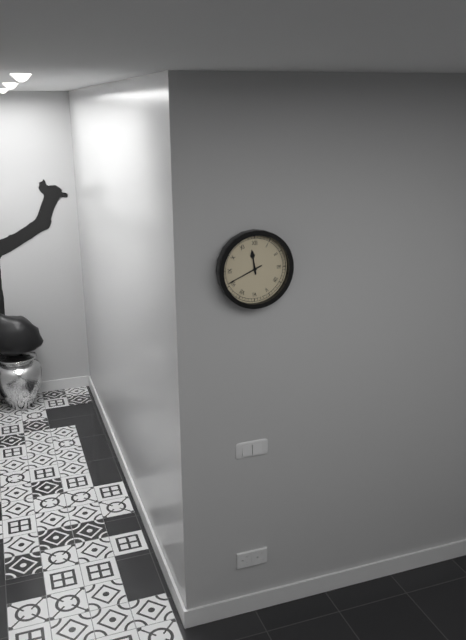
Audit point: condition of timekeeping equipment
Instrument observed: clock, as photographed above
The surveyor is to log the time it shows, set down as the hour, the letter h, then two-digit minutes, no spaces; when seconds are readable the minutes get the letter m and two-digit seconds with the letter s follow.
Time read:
11h41
